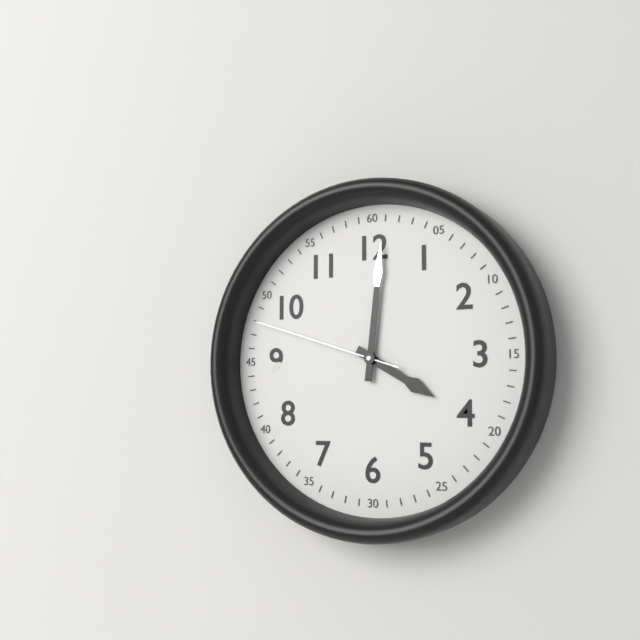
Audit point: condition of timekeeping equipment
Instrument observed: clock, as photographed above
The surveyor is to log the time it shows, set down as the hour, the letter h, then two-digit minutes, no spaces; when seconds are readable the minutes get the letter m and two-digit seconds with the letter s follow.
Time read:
4h01m48s
